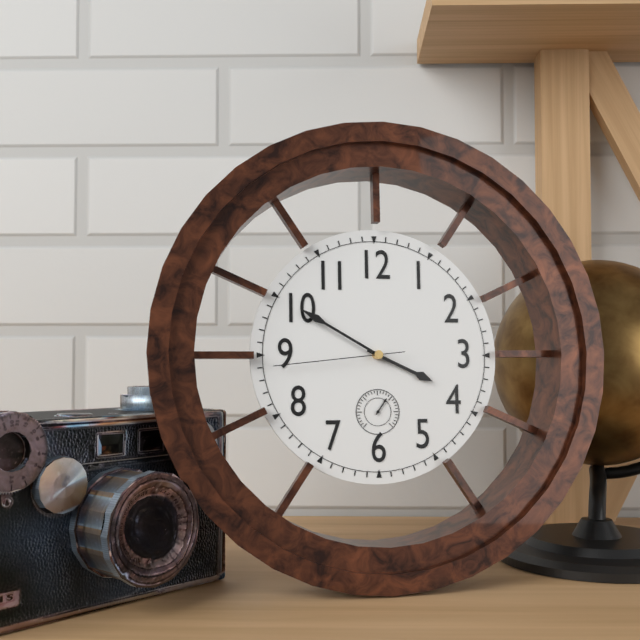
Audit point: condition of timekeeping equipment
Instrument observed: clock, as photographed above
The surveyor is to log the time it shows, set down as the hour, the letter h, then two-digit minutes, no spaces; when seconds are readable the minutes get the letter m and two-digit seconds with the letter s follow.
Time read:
3h50m44s
